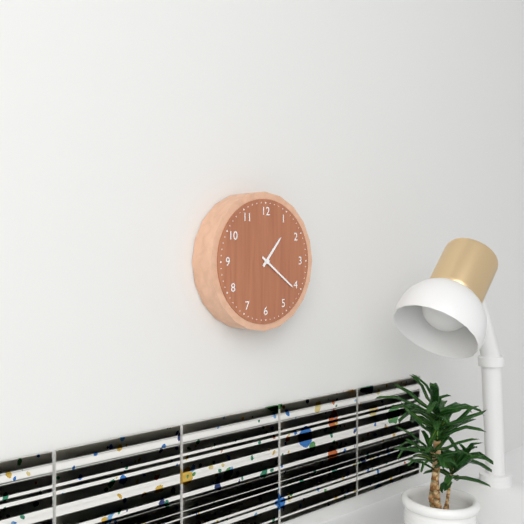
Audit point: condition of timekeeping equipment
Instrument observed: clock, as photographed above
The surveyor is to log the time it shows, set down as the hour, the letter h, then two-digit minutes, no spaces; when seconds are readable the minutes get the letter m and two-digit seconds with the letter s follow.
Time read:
1h21
